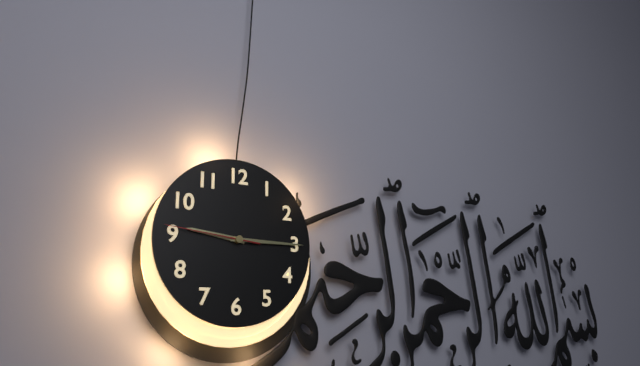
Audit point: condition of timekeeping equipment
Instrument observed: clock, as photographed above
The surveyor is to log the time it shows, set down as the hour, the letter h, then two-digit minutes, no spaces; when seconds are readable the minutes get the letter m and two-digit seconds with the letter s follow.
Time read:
9h15m46s
